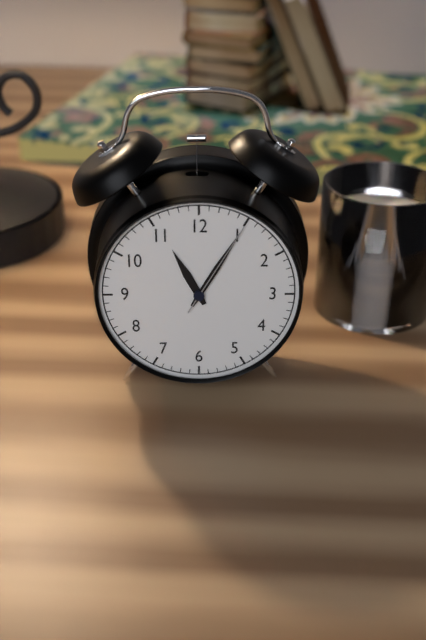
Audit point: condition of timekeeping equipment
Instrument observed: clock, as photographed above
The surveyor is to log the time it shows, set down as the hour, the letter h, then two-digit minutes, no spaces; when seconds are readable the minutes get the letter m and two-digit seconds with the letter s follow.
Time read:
11h05m05s
